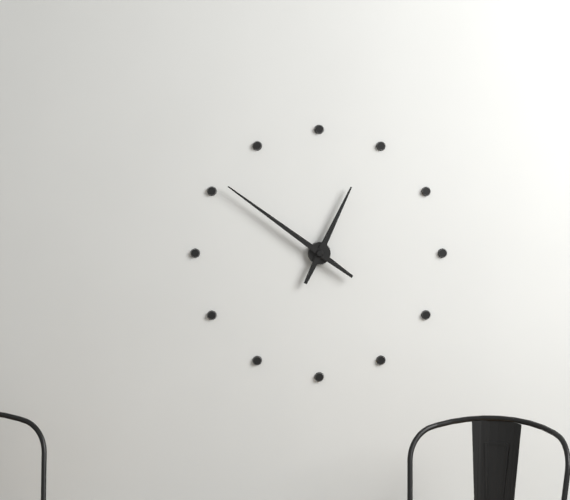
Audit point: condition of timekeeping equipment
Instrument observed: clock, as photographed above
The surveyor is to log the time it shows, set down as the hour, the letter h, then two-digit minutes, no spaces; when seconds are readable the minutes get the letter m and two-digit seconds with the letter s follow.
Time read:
12h51
